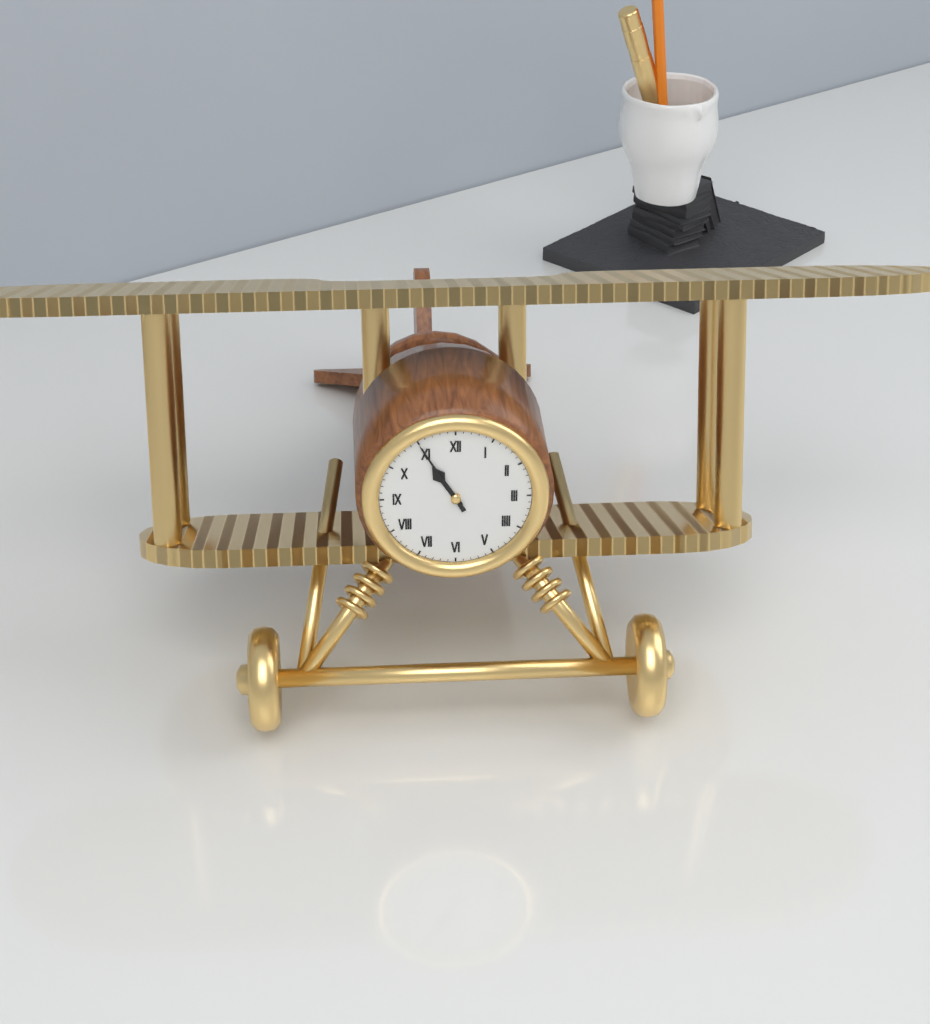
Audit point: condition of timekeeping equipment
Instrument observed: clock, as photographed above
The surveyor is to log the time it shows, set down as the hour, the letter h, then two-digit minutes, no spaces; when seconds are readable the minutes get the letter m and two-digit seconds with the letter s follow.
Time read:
10h55
